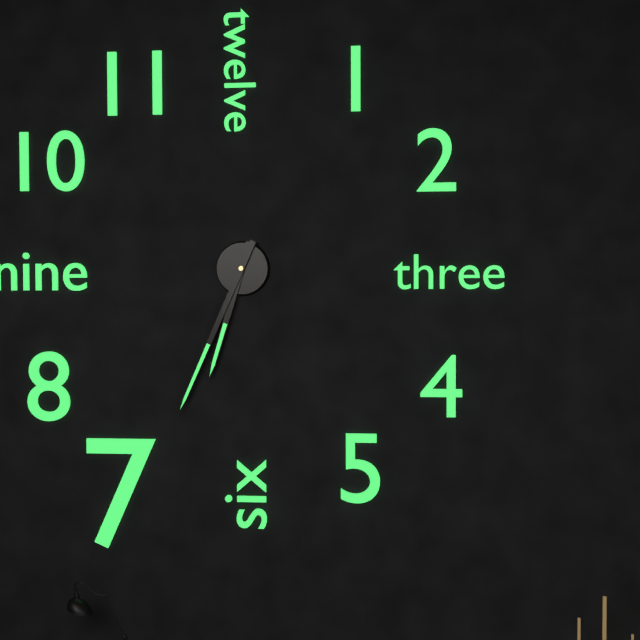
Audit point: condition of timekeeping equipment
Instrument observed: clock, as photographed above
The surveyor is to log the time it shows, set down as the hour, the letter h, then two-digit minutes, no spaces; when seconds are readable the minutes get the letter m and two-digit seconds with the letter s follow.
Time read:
6h34
